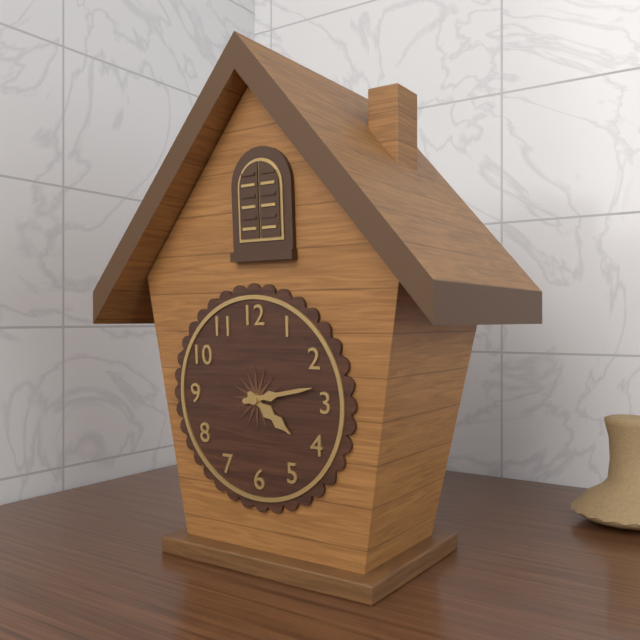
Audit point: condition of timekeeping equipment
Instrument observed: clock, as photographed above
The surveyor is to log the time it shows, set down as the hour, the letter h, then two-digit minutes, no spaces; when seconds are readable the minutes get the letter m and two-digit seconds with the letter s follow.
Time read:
4h13
